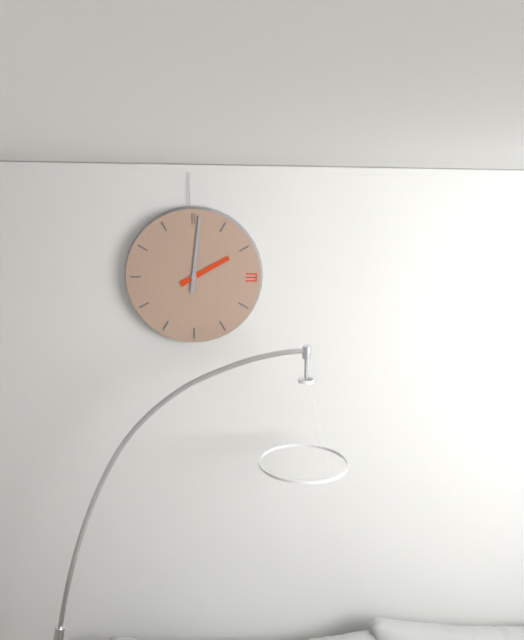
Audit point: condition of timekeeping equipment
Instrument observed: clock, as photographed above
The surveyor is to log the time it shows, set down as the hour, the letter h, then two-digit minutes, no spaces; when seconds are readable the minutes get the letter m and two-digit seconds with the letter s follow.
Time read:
2h01
